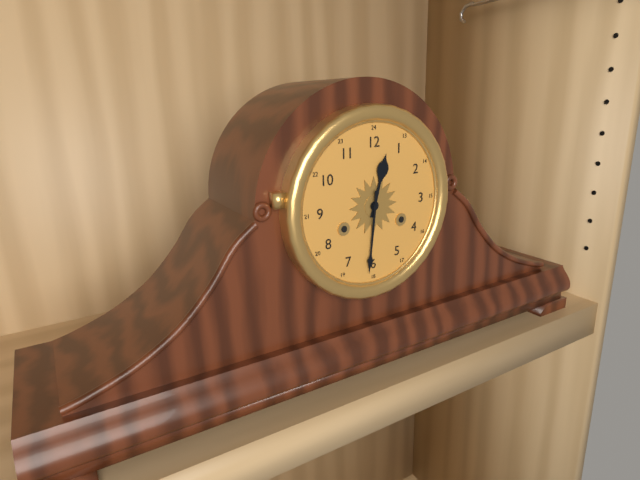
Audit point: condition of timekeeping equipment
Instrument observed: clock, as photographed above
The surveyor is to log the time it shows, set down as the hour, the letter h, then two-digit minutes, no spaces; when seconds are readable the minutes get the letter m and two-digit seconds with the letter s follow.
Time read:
12h31
